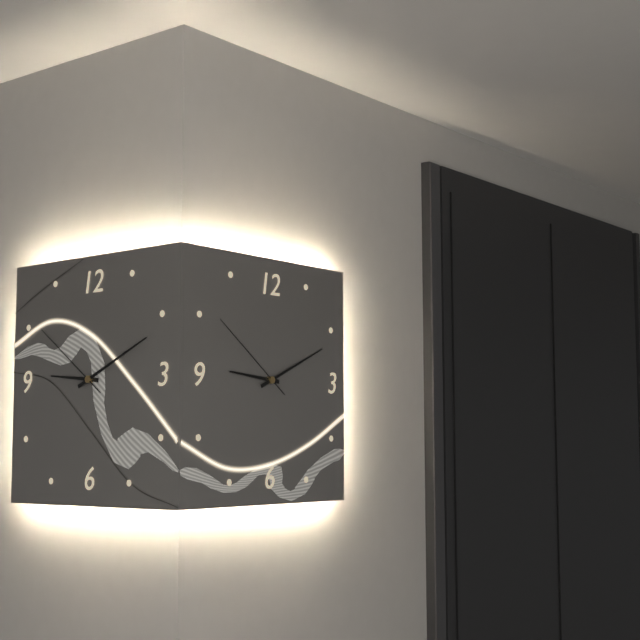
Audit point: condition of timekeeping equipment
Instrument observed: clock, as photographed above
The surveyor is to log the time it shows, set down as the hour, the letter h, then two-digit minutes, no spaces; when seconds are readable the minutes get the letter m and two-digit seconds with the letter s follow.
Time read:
9h11m51s
